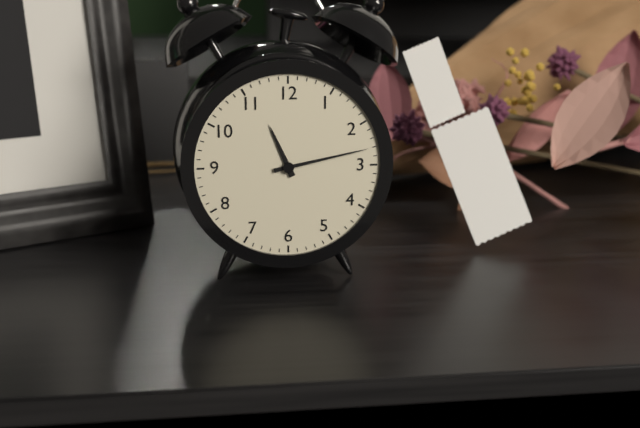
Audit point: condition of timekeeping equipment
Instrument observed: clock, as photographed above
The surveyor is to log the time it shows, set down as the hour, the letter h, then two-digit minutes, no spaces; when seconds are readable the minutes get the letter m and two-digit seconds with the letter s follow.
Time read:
11h13
